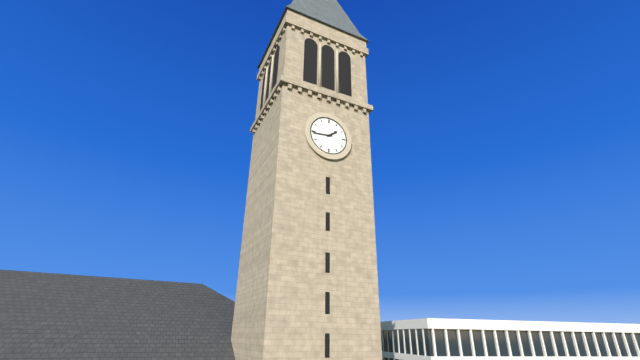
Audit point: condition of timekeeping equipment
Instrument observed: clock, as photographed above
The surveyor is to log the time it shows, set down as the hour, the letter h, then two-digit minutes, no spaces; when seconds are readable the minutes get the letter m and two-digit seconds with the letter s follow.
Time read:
1h44
